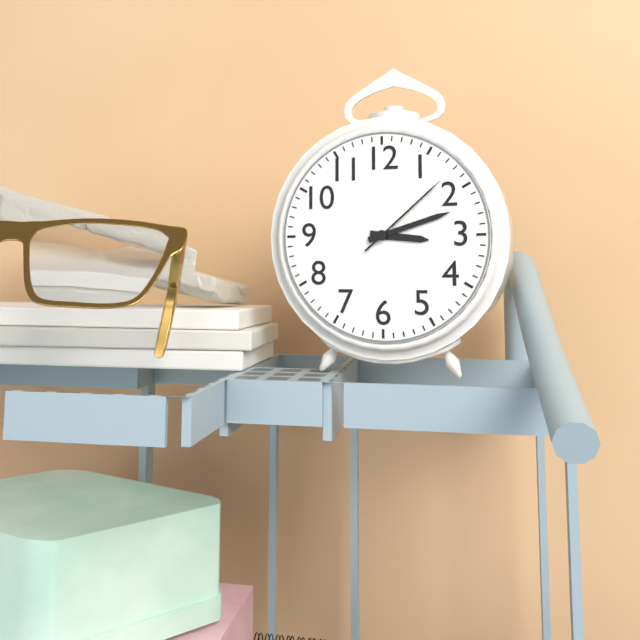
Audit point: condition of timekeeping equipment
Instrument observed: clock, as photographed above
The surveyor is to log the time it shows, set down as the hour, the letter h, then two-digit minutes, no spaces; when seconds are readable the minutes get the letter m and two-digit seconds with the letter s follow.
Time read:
3h12m08s
